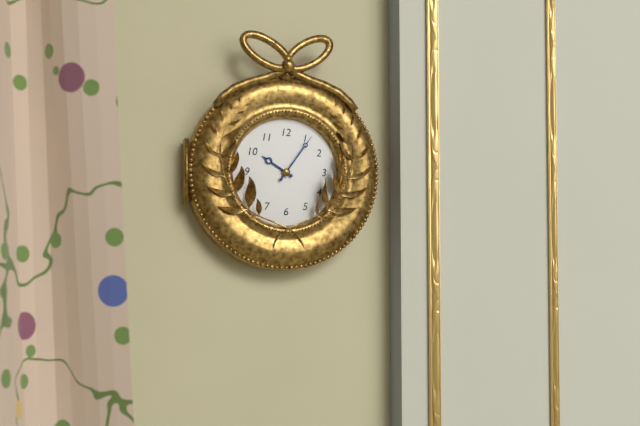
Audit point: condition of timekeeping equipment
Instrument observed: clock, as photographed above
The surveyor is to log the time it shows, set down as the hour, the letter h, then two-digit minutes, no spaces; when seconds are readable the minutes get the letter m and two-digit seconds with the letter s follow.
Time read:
10h06
